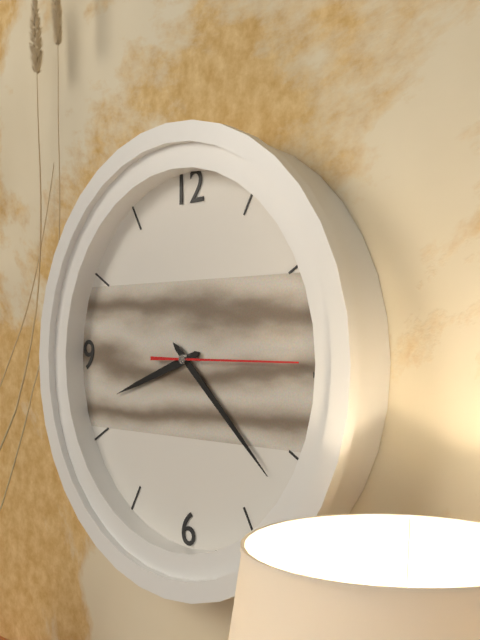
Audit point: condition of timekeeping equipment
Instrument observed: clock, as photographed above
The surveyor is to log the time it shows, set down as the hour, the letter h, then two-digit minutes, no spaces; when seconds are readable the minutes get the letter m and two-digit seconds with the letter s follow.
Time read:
8h22m15s
